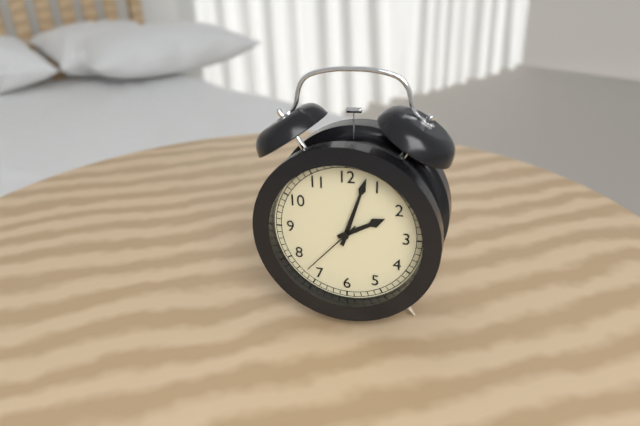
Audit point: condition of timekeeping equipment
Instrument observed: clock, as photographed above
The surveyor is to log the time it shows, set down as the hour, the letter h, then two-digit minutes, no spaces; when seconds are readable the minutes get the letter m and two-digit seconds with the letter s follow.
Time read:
2h03m37s
